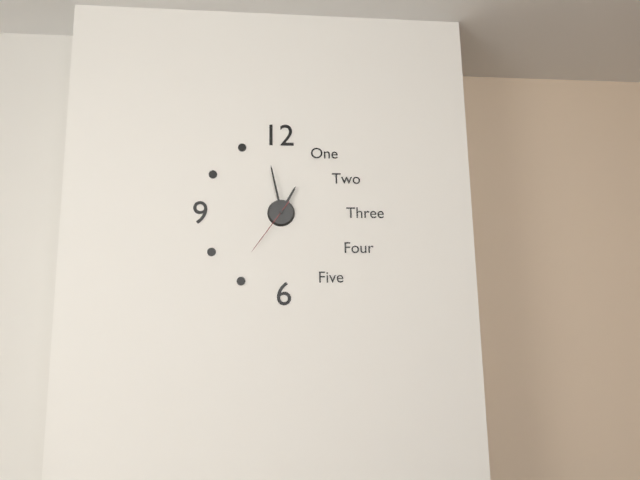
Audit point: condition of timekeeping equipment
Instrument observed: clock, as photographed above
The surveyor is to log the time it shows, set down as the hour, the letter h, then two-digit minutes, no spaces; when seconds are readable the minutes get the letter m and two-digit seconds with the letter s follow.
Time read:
12h58m36s
